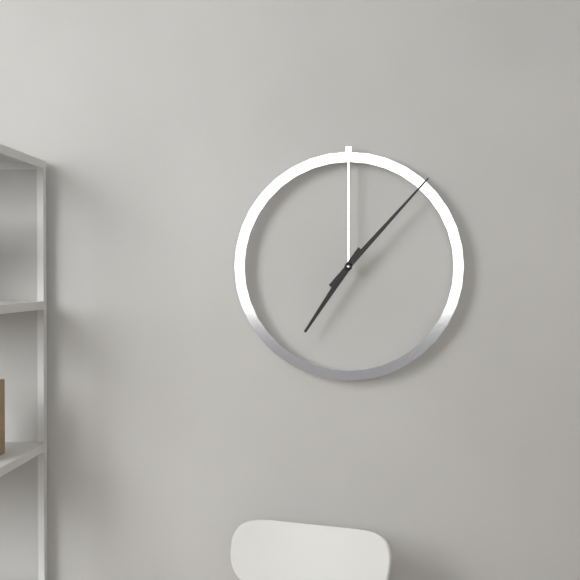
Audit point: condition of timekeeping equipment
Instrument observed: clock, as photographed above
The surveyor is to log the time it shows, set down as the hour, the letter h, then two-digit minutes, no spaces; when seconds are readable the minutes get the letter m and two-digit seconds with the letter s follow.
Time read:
7h07
